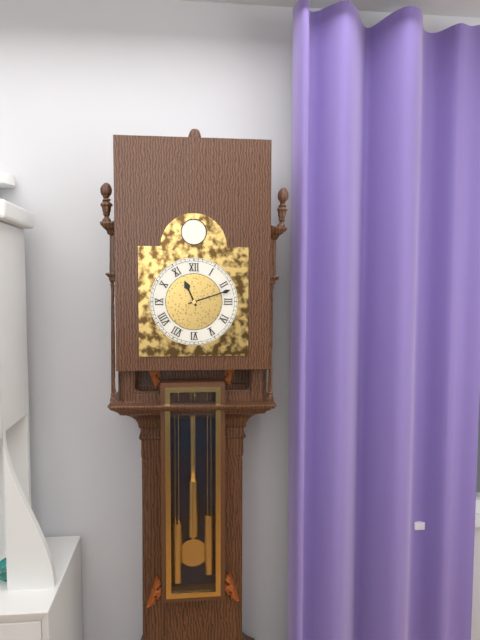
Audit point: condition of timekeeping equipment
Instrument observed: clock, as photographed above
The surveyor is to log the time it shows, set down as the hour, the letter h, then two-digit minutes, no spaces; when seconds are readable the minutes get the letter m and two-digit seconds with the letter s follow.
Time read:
11h12
